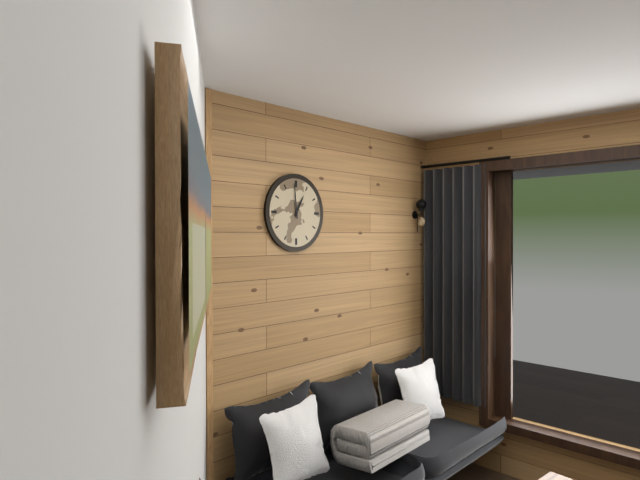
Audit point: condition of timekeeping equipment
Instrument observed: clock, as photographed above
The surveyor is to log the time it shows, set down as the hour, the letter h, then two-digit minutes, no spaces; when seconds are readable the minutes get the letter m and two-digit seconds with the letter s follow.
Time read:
12h59
